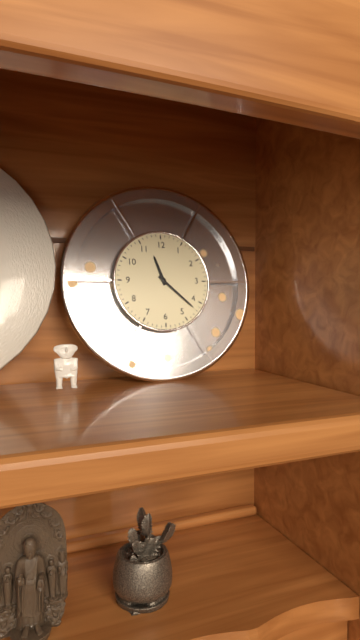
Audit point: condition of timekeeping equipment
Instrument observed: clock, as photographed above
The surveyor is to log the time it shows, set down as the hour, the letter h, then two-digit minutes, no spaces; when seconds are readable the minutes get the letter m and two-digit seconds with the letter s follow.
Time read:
11h22
